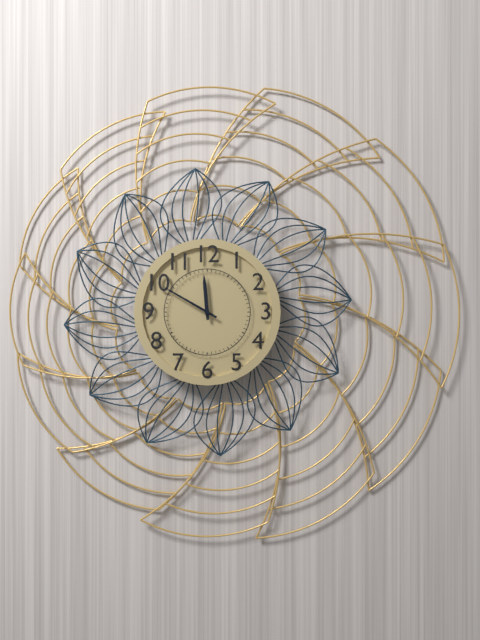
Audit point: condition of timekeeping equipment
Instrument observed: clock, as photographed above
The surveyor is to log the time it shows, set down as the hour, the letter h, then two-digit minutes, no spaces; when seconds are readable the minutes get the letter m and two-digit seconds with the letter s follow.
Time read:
11h50
